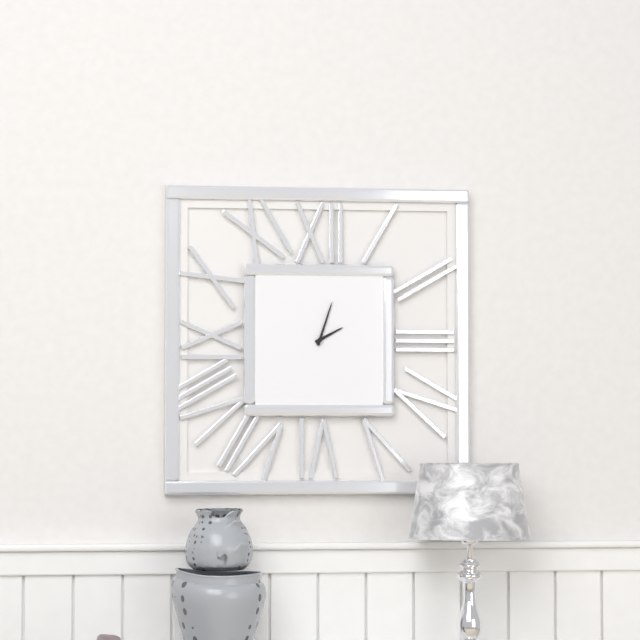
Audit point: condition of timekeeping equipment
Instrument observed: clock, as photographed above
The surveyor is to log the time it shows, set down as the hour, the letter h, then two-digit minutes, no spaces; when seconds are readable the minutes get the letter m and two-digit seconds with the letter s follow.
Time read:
2h03
